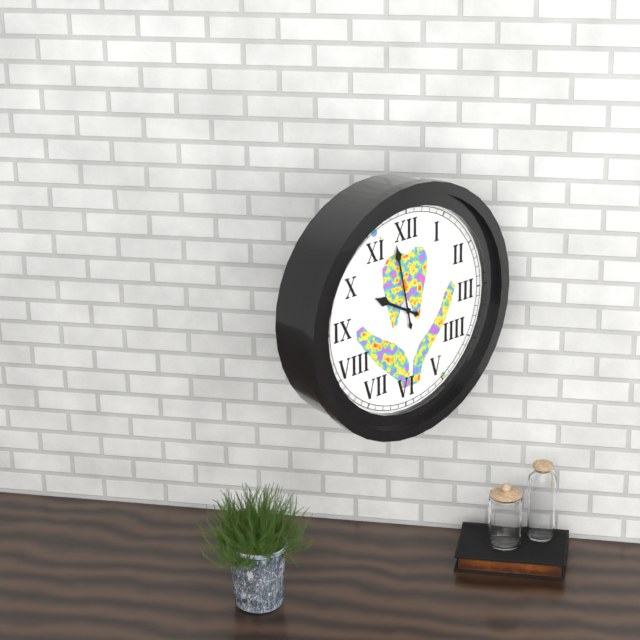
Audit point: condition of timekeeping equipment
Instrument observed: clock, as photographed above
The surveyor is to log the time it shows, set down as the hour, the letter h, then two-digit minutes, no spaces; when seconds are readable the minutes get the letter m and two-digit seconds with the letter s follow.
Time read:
9h58
